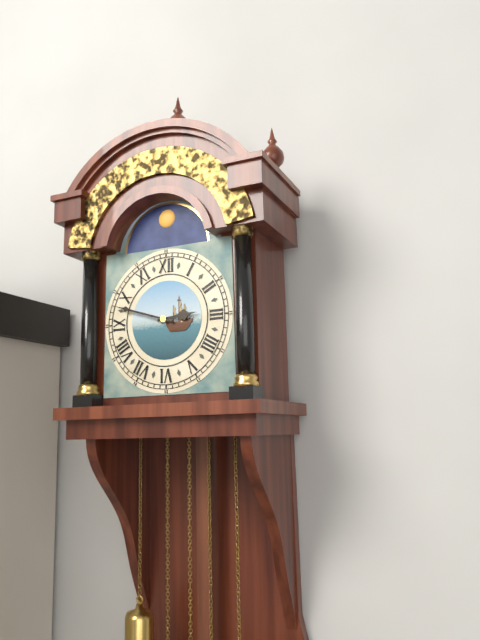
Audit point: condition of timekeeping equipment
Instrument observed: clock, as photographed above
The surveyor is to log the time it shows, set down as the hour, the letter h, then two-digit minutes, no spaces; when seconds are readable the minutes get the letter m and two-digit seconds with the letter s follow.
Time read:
2h48
